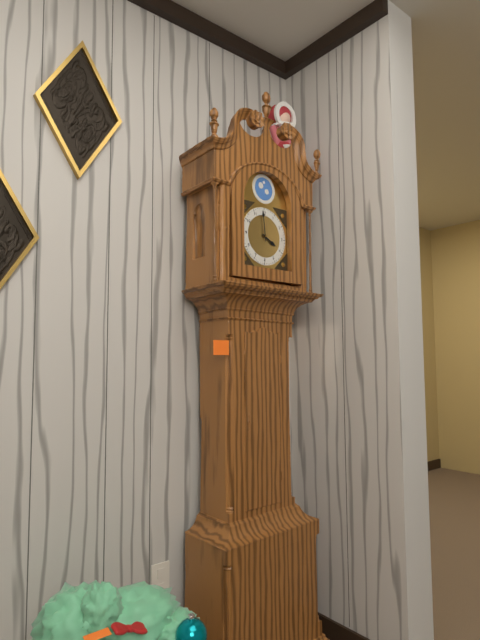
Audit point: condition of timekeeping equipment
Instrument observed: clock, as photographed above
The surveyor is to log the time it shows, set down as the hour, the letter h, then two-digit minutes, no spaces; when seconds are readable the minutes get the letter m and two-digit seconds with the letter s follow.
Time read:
3h59
